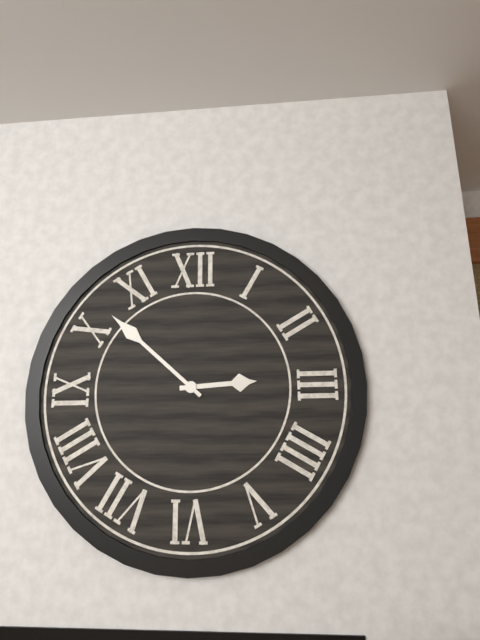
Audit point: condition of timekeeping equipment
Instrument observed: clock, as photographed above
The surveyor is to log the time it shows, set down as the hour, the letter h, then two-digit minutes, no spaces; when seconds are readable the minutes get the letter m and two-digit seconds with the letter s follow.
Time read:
2h52
